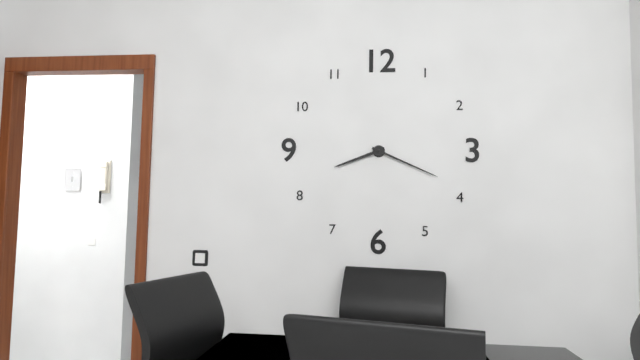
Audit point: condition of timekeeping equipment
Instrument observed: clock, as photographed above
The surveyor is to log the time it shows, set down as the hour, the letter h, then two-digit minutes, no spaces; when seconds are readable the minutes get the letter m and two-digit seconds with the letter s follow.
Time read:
8h19
